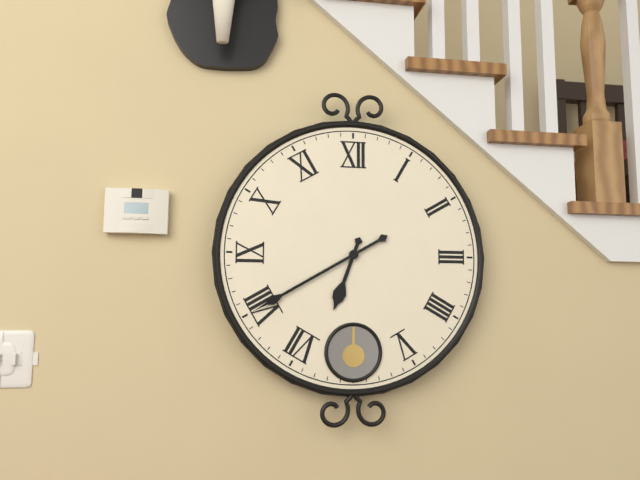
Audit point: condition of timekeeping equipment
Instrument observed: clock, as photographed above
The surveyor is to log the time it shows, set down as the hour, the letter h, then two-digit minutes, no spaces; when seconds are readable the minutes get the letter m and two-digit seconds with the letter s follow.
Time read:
6h40
